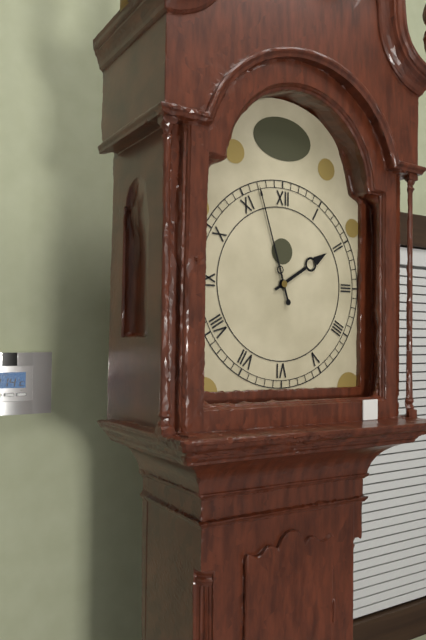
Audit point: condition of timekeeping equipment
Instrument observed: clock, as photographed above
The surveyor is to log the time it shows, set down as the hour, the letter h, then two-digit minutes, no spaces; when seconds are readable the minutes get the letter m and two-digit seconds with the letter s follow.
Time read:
1h57
